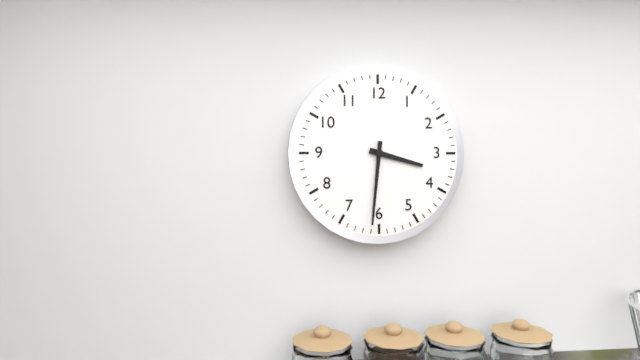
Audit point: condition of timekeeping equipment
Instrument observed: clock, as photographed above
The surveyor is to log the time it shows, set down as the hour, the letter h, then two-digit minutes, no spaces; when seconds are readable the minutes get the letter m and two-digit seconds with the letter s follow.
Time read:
3h31
